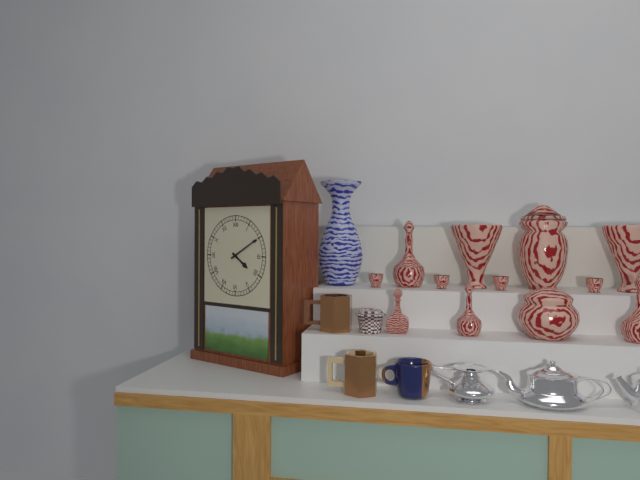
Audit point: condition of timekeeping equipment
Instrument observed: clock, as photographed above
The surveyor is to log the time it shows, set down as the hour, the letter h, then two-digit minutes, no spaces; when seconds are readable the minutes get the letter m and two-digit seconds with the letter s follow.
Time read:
4h10
